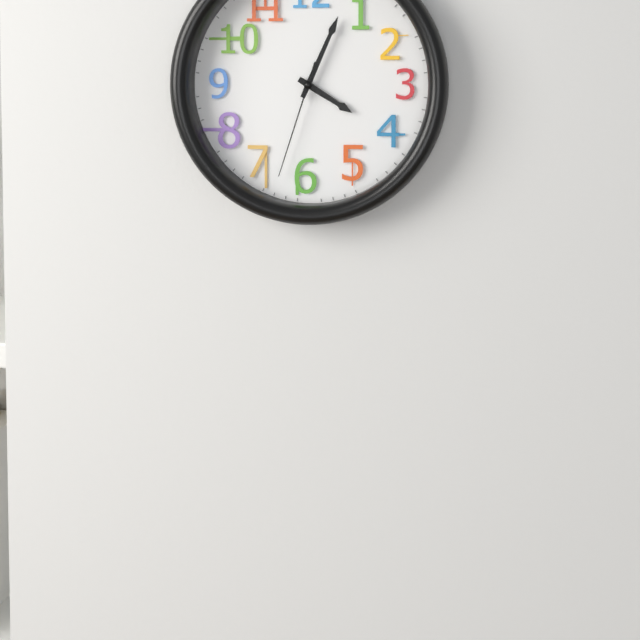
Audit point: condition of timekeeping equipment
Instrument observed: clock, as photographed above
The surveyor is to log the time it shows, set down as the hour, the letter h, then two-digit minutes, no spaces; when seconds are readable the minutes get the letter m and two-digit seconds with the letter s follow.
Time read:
4h04m33s
